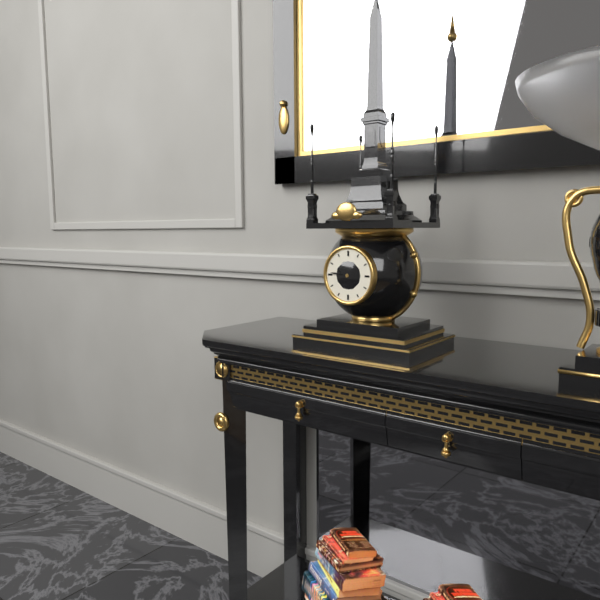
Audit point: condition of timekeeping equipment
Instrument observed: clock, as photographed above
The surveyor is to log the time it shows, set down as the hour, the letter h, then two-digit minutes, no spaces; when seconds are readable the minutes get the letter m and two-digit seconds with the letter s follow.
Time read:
9h46
